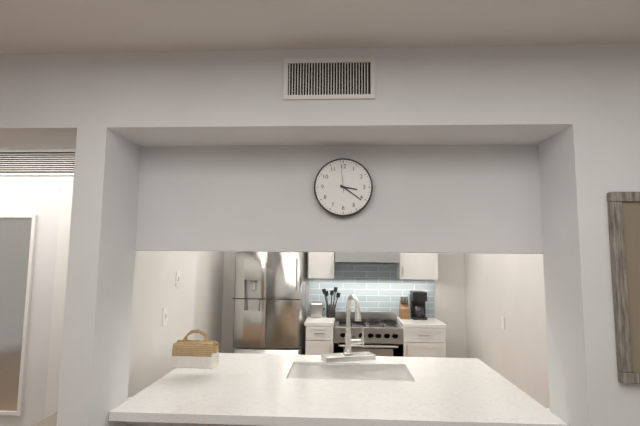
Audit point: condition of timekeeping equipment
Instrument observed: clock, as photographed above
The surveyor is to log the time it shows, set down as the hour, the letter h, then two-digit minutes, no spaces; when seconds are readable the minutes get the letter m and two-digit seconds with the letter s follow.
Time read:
3h21
